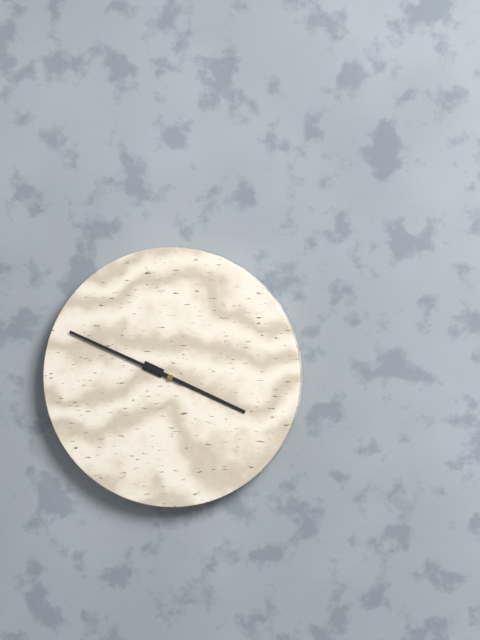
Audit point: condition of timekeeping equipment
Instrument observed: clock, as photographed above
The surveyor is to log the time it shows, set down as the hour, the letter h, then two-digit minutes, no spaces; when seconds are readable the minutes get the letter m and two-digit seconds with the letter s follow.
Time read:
3h49
